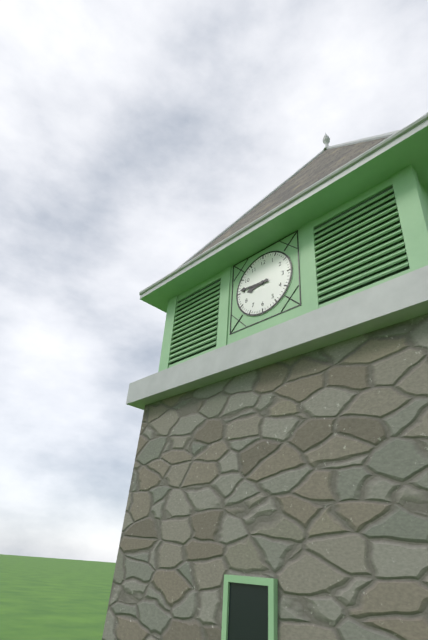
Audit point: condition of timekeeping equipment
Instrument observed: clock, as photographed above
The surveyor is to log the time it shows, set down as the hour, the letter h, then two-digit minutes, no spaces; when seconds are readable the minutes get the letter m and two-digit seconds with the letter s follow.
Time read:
8h46
